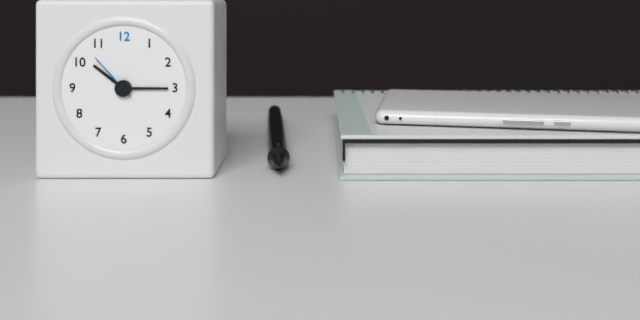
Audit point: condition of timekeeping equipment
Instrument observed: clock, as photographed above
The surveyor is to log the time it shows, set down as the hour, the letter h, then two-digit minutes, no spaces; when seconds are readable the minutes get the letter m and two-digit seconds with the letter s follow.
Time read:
10h15m53s
